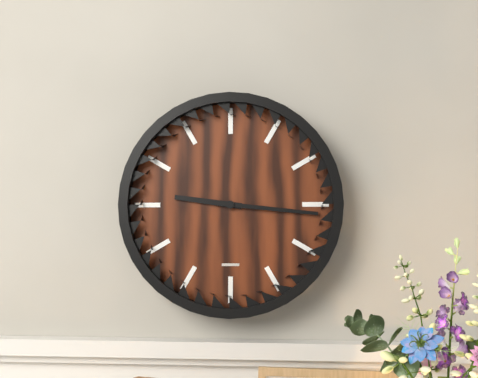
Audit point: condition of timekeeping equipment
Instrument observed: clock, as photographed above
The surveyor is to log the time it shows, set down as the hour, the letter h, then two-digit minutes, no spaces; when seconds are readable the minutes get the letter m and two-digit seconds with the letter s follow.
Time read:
9h16
